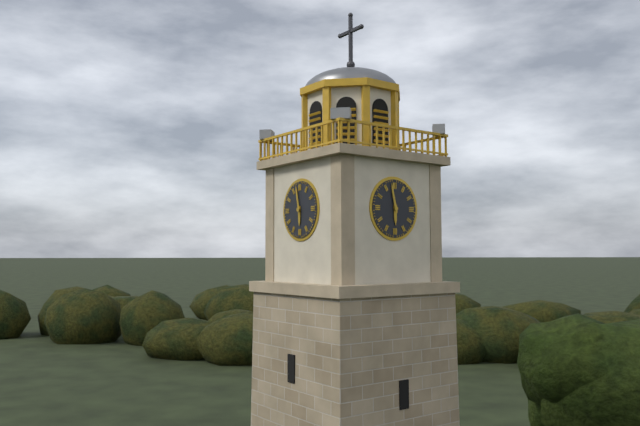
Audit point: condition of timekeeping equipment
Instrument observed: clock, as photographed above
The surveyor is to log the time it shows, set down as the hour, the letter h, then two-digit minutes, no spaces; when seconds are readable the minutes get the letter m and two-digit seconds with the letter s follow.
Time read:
5h58
